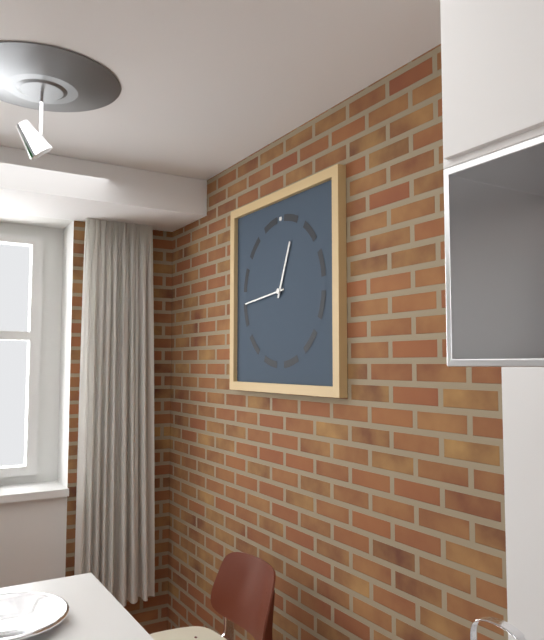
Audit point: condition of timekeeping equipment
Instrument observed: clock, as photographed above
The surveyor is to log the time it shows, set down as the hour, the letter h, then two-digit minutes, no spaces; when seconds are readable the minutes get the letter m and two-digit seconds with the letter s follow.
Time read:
12h44
